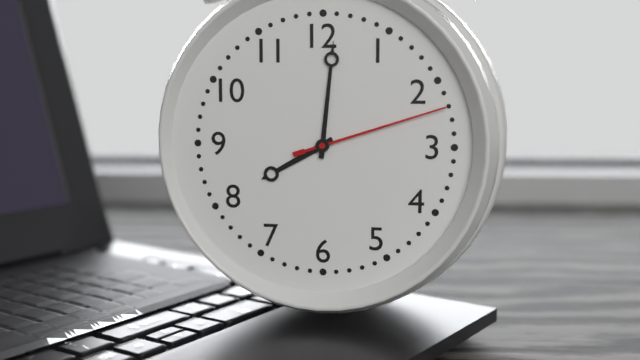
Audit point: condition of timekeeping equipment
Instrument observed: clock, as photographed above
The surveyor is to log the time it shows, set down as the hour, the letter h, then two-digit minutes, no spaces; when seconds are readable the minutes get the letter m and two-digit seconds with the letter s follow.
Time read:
8h01m12s
